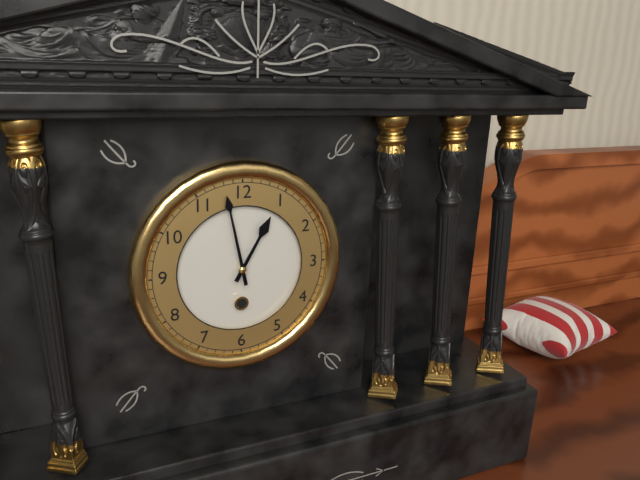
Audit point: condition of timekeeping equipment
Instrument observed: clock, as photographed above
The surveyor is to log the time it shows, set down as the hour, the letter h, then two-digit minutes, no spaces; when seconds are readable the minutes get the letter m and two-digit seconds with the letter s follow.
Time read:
12h58
